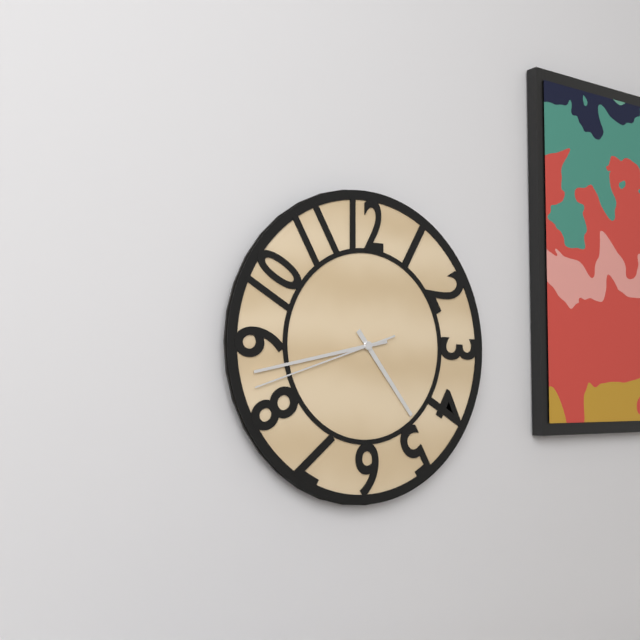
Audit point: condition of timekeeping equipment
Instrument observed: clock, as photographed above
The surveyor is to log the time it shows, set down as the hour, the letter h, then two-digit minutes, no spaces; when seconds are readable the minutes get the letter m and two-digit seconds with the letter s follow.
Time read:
4h43m42s
